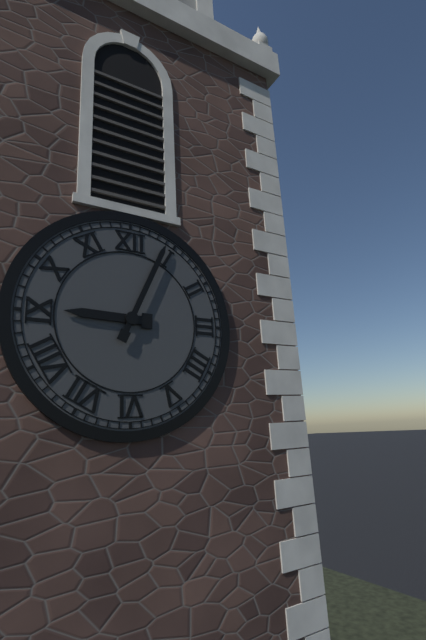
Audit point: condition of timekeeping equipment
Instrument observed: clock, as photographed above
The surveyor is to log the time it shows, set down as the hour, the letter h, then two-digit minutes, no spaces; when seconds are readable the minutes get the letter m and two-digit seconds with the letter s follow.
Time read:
9h04
